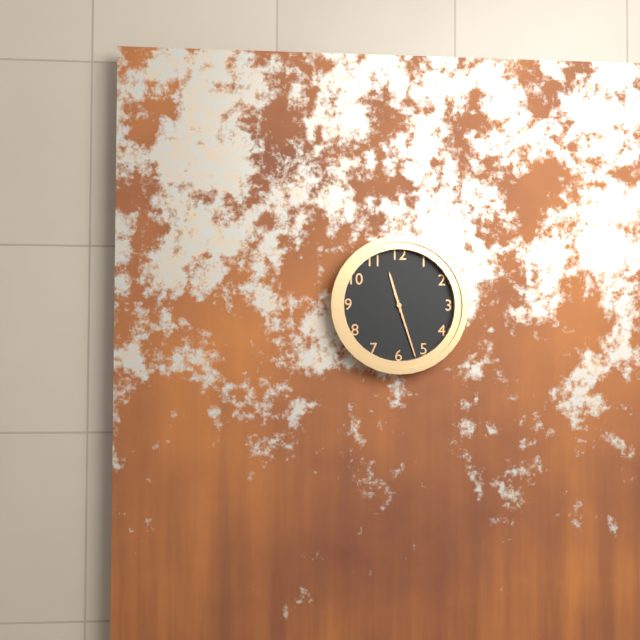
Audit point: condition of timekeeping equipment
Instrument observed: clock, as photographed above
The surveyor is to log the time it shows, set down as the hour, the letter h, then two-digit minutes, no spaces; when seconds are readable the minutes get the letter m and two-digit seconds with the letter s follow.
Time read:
11h27
